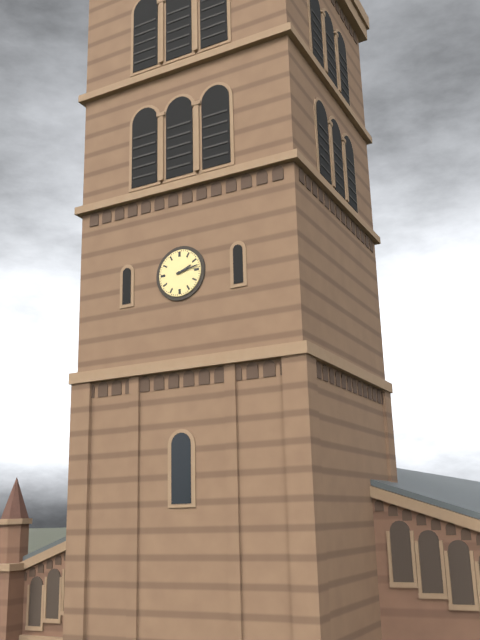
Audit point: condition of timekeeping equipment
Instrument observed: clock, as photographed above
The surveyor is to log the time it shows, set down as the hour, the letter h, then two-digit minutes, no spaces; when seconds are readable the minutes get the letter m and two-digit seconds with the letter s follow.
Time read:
2h13
